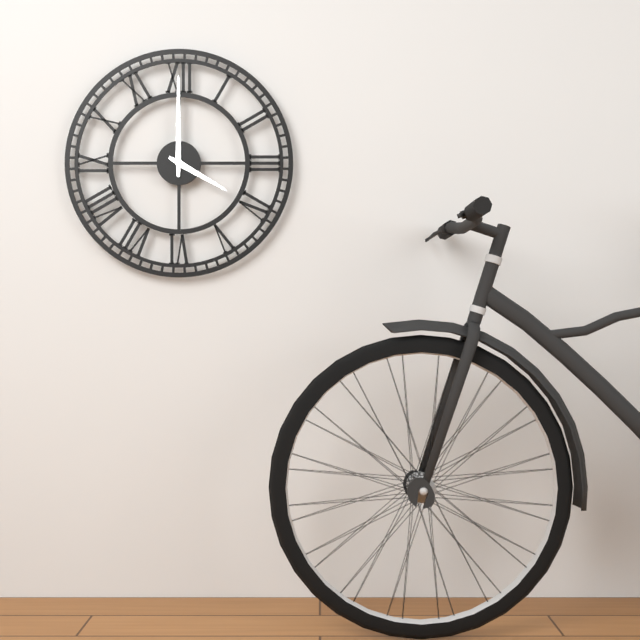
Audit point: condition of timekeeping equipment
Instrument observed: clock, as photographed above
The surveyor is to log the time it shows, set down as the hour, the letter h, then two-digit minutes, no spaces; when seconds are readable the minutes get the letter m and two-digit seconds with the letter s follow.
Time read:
4h00
